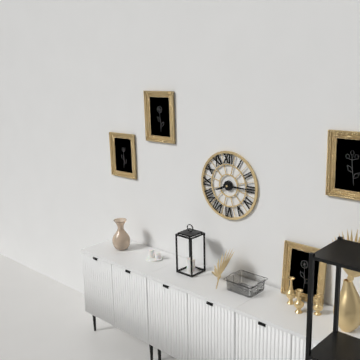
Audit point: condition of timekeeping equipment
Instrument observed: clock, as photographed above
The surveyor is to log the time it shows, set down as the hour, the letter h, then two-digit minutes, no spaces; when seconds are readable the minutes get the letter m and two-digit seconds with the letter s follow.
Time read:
8h15
